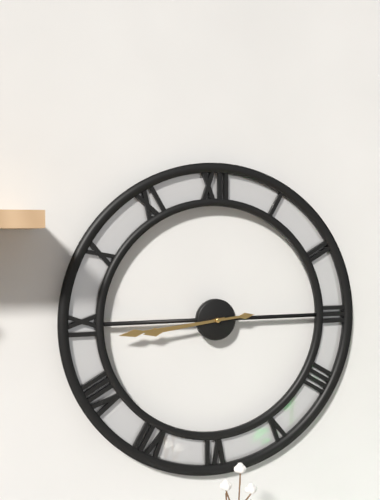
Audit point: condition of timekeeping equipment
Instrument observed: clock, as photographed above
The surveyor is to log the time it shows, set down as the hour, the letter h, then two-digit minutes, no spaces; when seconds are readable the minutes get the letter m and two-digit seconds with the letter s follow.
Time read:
8h44
